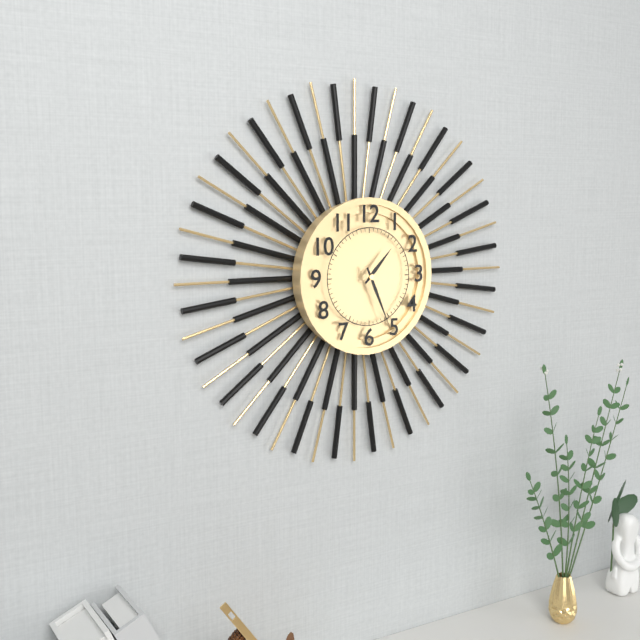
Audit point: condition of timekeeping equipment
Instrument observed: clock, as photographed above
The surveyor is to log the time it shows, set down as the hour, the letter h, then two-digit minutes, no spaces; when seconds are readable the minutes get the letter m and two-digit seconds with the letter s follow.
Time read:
1h26
